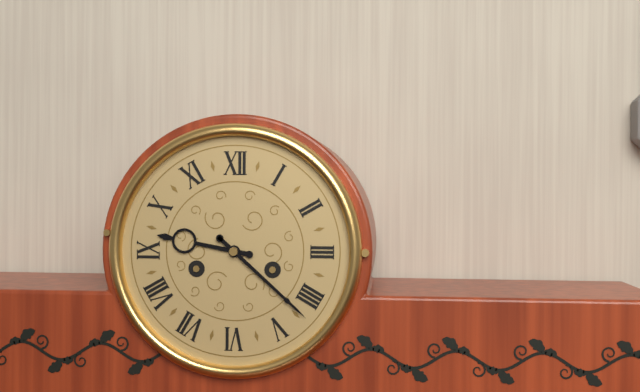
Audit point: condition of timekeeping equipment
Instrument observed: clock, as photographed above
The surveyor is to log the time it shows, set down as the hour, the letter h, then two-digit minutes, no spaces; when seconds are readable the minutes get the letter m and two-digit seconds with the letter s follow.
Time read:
9h22
